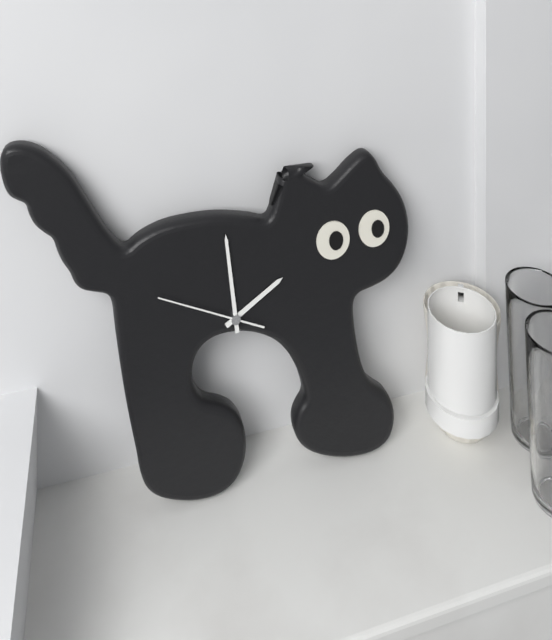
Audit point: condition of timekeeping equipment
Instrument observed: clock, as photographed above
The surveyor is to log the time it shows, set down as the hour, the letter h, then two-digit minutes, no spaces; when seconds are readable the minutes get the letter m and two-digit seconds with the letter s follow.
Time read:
1h59m49s
